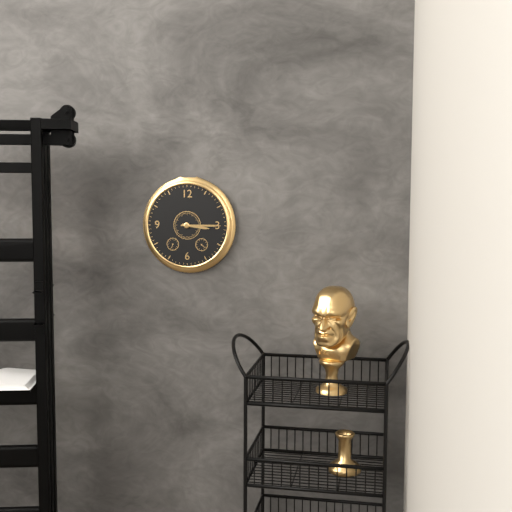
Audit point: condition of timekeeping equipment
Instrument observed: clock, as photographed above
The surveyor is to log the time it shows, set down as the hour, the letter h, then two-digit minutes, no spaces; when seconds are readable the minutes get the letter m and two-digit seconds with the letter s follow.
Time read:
3h15
